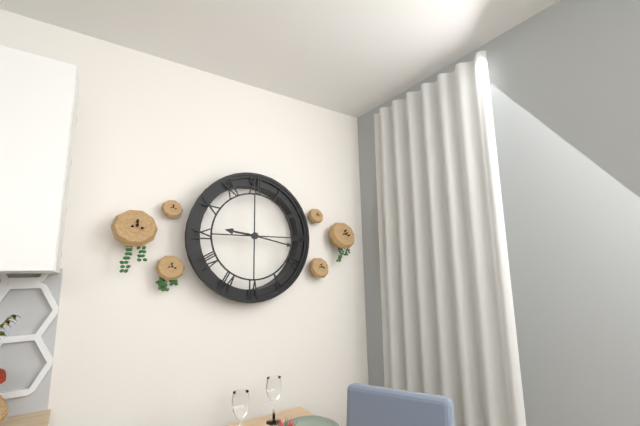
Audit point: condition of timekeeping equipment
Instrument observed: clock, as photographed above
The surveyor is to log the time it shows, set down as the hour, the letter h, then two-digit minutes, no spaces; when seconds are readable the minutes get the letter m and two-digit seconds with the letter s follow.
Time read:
9h17
